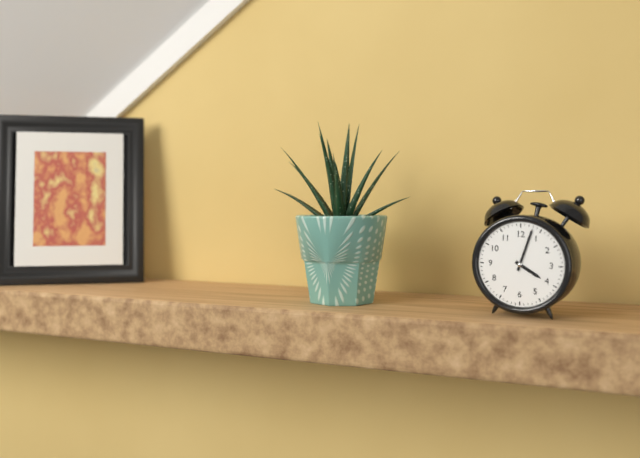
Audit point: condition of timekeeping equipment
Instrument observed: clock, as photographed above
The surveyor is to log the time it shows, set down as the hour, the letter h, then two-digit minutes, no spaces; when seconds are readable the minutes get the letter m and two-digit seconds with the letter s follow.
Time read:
4h03
